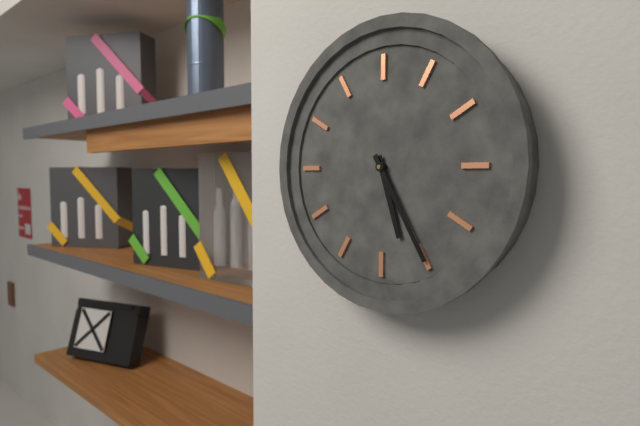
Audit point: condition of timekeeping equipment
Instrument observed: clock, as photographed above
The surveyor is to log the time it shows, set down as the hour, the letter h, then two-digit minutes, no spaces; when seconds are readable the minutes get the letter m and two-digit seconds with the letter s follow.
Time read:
5h25
